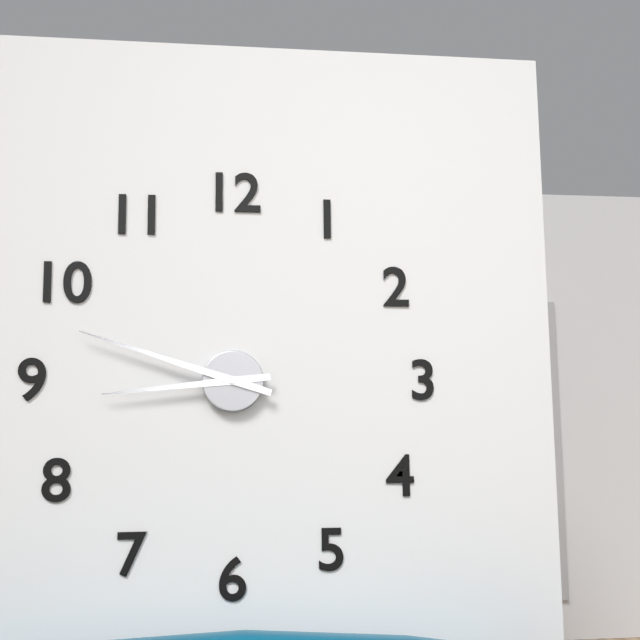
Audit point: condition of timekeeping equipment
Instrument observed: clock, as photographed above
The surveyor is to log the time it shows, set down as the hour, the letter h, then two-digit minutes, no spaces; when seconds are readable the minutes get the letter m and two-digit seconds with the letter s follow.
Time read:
8h48
